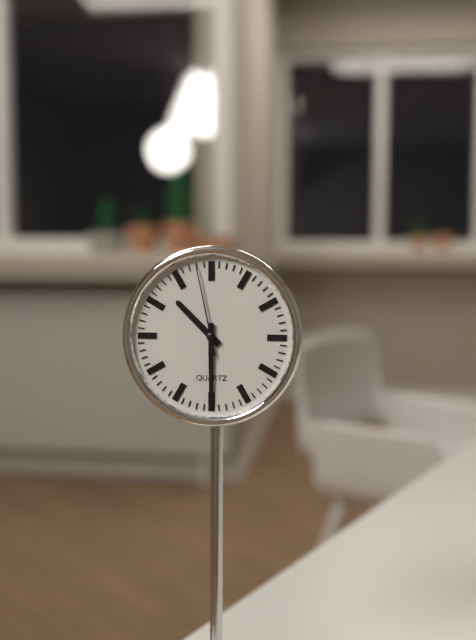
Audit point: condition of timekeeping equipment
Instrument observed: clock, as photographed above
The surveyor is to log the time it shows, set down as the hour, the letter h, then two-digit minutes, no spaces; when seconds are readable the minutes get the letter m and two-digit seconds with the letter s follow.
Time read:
10h30m58s
